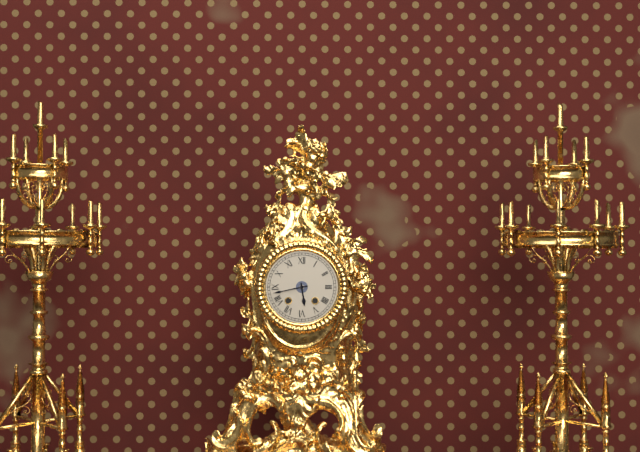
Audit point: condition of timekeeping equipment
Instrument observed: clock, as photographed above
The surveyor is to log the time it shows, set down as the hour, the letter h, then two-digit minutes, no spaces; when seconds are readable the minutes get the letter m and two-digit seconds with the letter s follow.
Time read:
5h43
